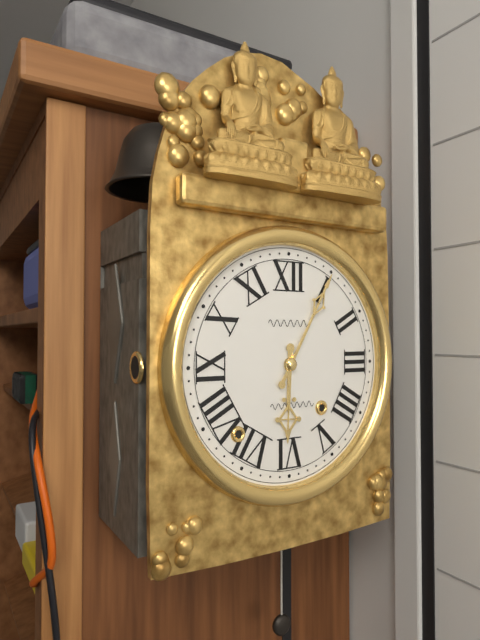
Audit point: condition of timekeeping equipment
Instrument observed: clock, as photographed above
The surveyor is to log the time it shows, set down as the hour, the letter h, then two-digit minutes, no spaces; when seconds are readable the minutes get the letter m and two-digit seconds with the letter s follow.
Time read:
6h05
